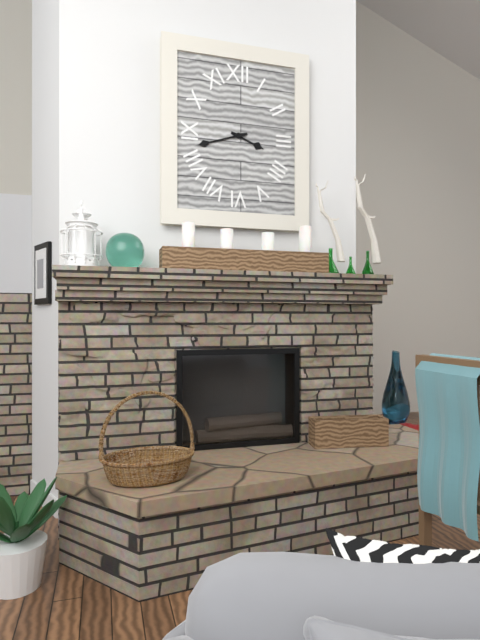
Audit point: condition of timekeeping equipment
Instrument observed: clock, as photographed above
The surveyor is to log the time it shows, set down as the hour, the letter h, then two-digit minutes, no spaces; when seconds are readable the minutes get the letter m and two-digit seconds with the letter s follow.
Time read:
3h42
